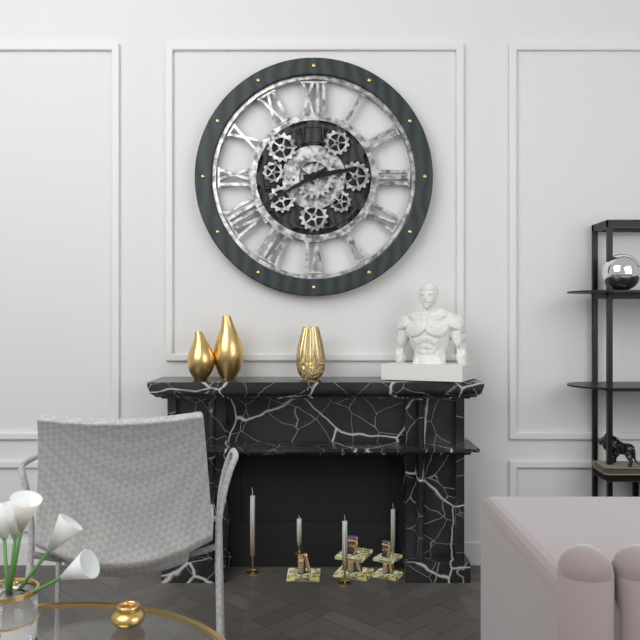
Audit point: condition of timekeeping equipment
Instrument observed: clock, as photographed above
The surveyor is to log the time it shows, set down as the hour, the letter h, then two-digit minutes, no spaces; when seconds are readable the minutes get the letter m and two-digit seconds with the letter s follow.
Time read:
2h40
